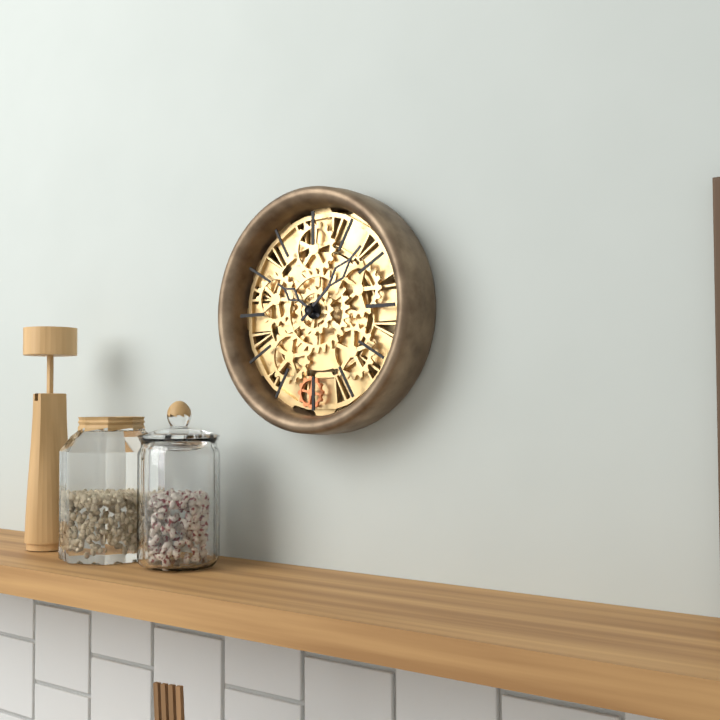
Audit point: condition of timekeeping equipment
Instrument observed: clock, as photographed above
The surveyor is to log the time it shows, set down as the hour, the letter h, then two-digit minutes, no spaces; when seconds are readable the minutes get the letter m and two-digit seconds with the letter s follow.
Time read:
10h08
